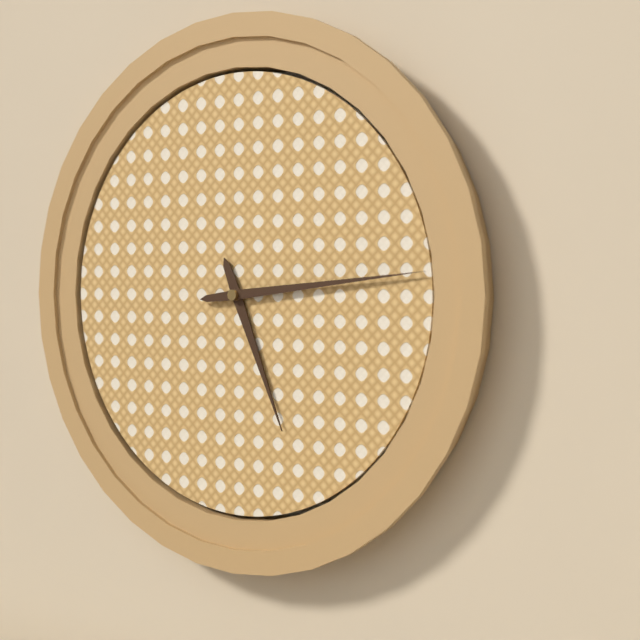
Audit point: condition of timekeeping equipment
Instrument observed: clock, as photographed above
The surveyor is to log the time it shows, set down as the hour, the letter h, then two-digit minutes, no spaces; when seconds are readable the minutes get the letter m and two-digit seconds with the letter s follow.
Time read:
5h14
